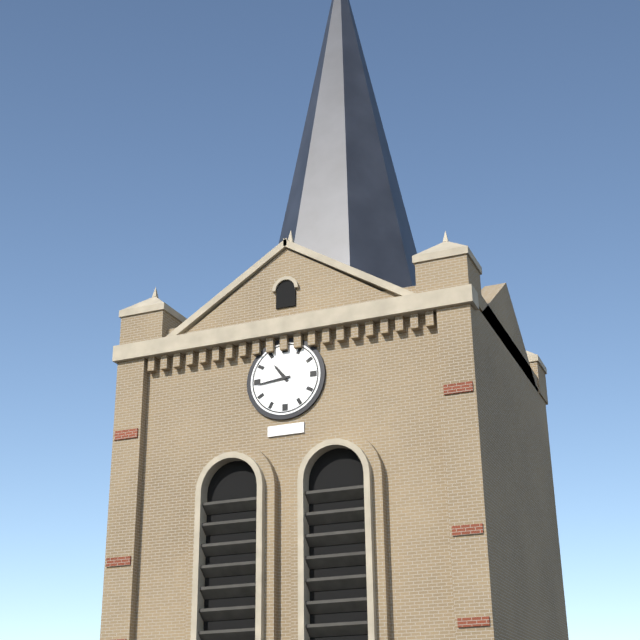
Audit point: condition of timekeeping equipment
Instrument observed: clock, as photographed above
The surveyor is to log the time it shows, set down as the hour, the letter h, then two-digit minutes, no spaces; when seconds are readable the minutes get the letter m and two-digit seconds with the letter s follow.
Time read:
10h44
